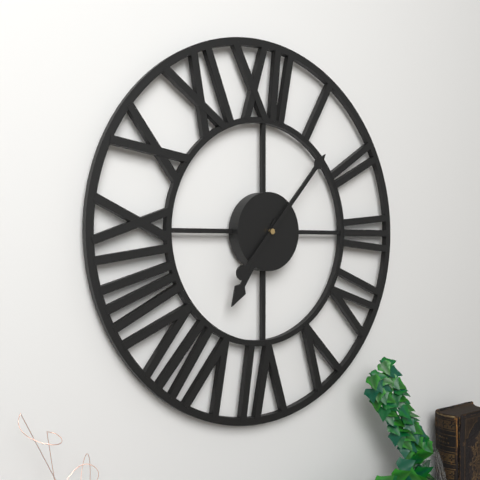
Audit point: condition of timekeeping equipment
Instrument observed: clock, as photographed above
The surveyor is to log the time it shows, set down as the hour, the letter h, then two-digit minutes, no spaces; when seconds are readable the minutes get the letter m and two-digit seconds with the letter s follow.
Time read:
7h07
